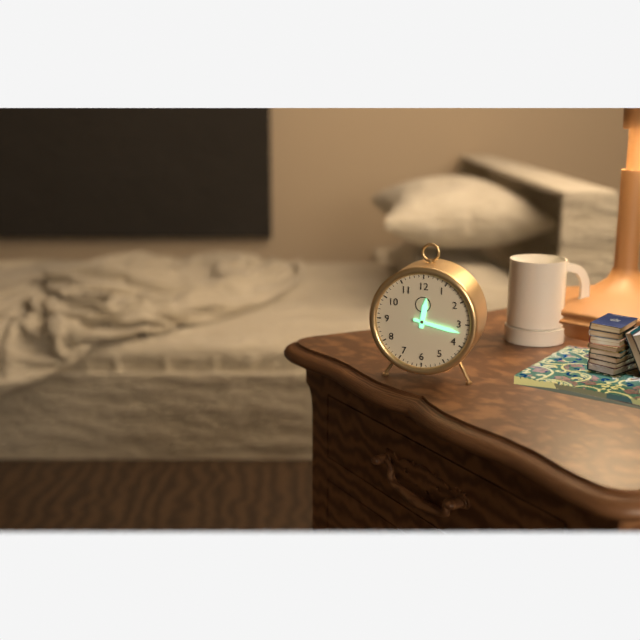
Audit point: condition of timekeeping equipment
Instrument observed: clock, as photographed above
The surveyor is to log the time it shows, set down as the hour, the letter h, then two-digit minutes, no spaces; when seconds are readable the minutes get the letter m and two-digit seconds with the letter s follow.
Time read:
12h17
